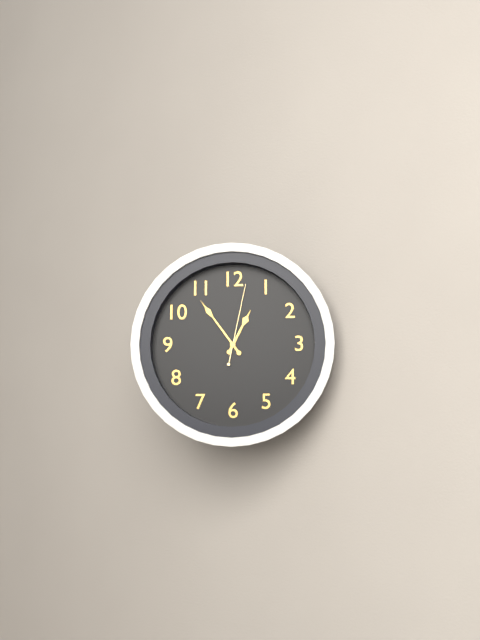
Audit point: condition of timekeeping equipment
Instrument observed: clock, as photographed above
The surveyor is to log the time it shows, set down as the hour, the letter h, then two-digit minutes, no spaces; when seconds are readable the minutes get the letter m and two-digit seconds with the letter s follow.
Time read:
12h54m02s
